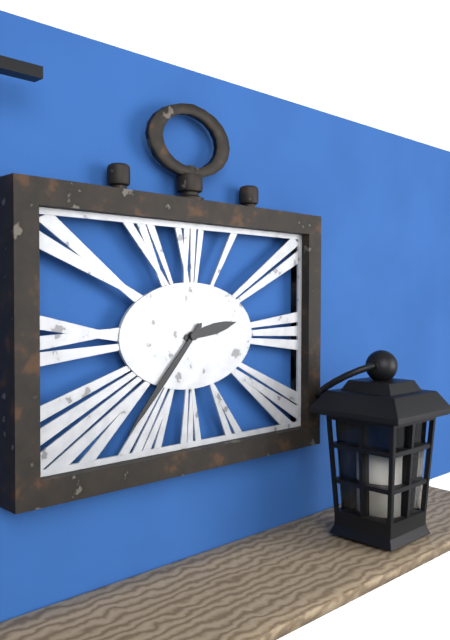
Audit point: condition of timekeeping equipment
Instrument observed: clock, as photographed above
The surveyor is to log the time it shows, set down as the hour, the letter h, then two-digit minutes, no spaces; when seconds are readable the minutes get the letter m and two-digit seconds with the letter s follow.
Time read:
2h37
